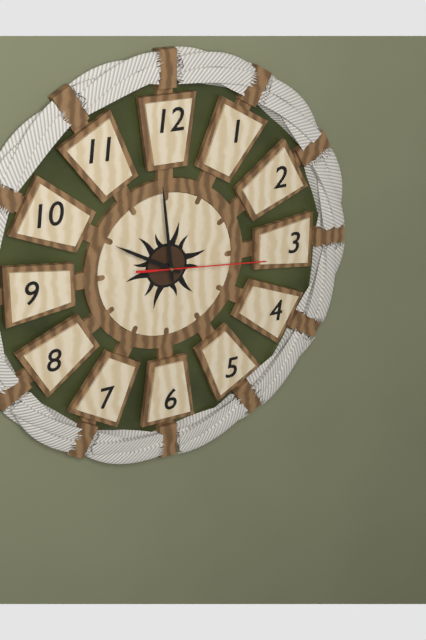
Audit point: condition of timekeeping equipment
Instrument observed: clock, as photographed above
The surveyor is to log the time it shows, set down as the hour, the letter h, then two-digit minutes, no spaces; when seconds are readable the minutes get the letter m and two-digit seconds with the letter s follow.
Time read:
9h59m16s
